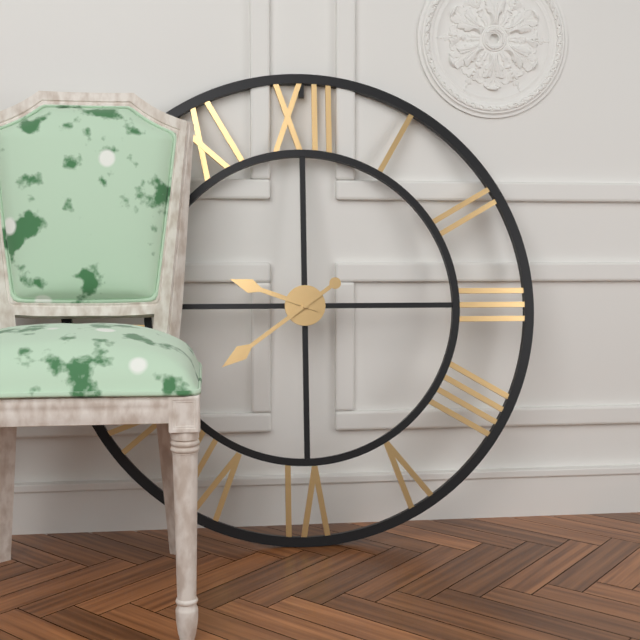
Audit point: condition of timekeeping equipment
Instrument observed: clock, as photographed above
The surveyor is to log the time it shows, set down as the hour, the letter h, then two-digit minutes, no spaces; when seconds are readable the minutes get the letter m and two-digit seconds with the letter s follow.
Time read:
9h39
